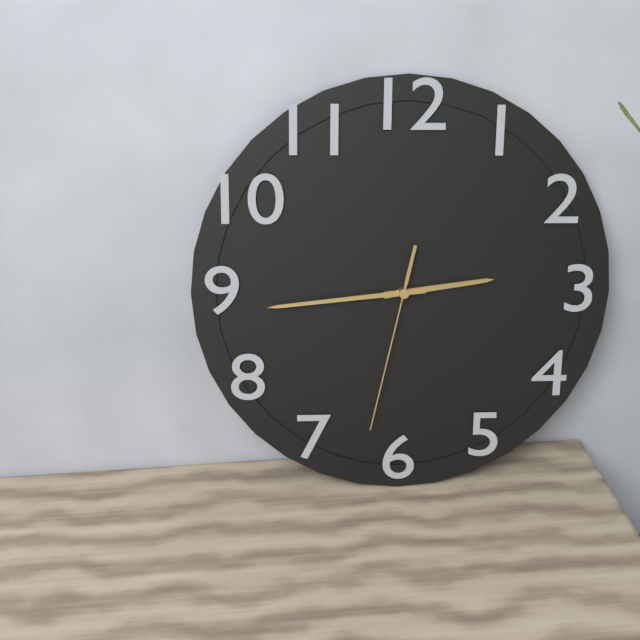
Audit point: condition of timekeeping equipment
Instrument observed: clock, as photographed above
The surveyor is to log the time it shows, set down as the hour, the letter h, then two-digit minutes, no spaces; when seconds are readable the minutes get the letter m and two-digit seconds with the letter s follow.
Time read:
2h44m32s
